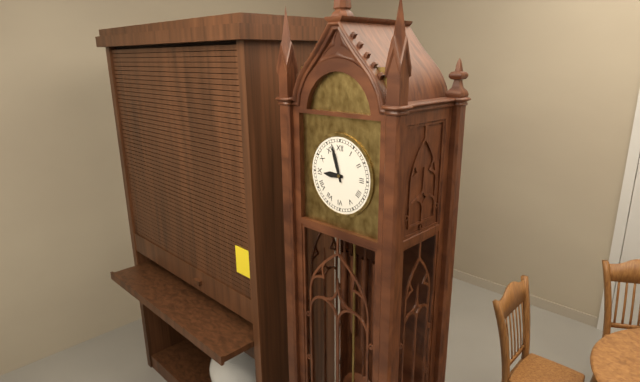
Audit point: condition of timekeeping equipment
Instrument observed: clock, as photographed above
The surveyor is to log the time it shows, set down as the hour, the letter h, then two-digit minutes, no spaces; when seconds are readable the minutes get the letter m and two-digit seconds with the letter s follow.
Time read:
8h57
